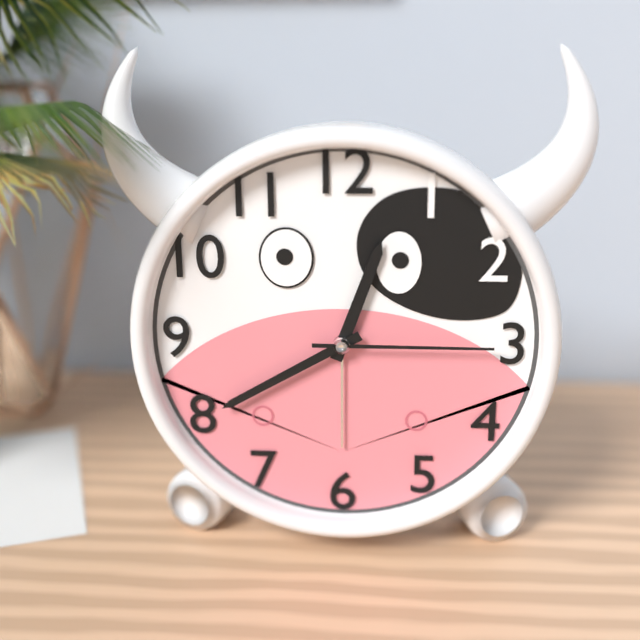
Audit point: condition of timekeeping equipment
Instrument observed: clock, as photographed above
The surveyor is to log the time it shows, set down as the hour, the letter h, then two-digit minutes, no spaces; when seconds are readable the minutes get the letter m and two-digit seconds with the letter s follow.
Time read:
12h40m15s
